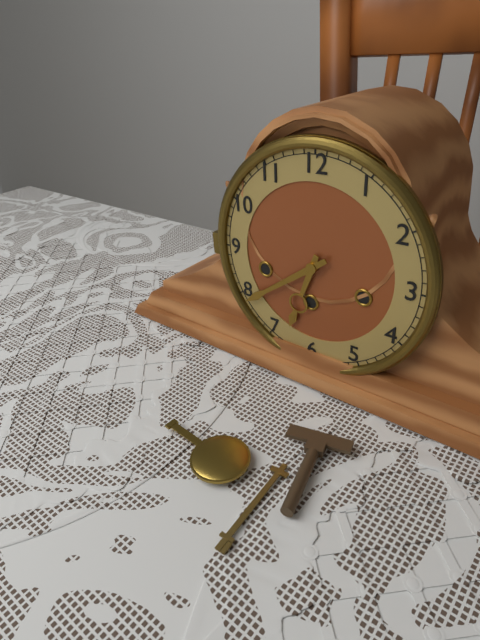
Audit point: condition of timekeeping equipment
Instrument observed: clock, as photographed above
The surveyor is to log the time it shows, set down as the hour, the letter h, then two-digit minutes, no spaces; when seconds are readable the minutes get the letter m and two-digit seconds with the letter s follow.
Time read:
6h39
